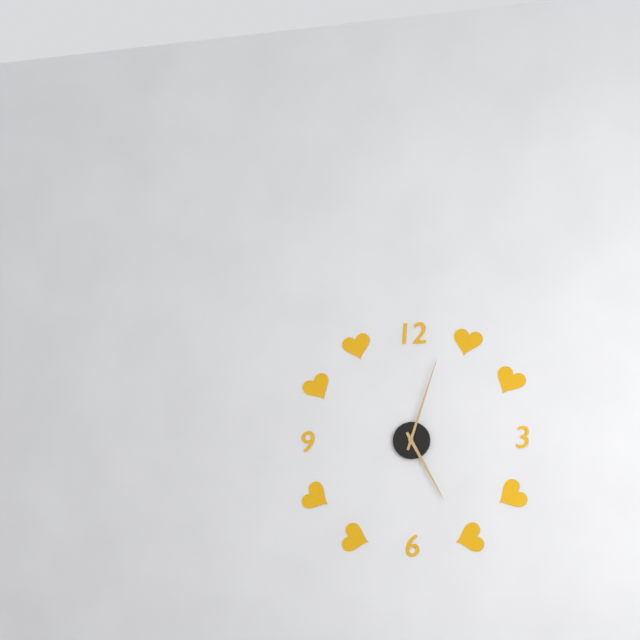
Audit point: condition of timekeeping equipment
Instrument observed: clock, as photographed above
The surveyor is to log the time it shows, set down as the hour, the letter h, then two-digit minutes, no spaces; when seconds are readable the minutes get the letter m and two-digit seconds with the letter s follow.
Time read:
5h03
